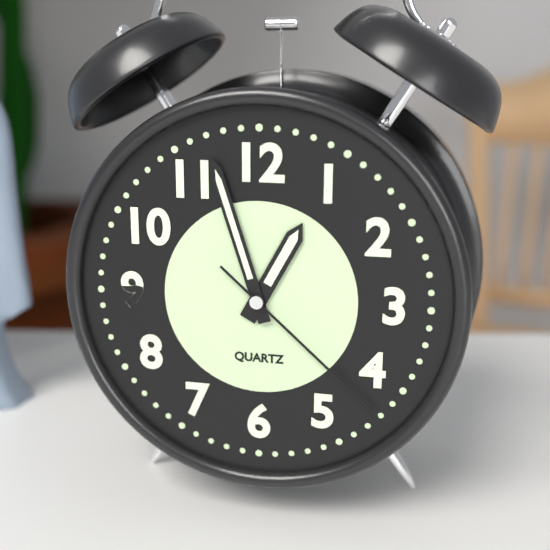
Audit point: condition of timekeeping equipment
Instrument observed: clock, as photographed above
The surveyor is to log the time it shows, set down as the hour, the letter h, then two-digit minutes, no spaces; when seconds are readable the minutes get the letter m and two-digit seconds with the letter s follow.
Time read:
12h57m22s
